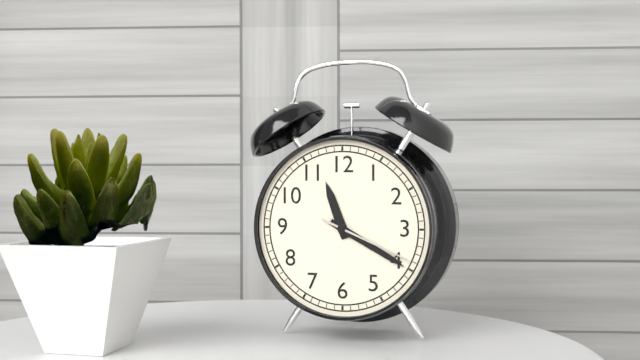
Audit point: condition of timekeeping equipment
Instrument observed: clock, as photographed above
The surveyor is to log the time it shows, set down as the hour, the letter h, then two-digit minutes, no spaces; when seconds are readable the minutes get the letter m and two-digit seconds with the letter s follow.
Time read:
11h20m19s
